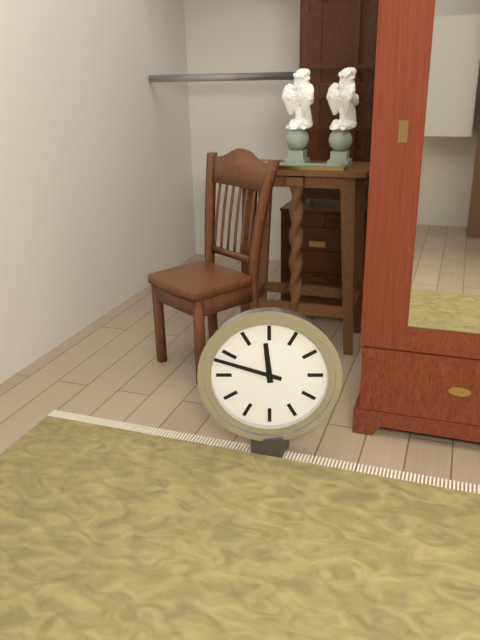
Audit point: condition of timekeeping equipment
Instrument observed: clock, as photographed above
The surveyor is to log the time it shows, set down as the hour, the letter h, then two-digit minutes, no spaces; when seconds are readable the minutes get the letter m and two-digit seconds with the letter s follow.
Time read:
11h48
